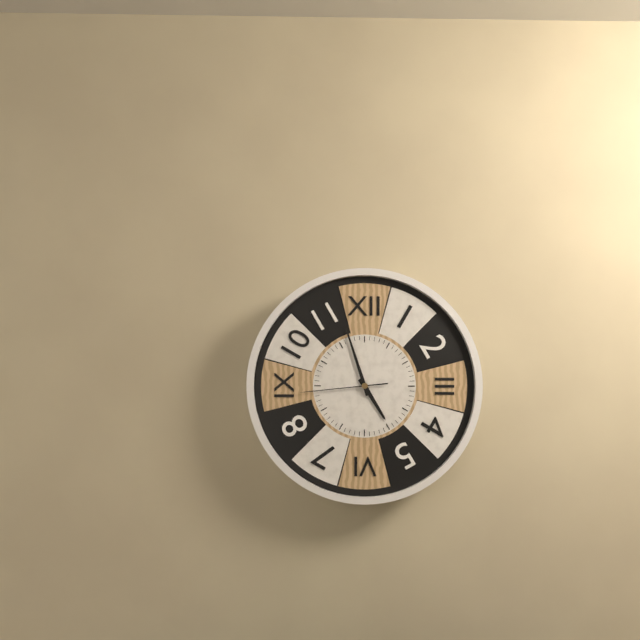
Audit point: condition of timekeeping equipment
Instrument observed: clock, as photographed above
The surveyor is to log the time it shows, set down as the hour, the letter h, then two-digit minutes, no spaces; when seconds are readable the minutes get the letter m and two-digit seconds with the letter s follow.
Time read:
4h57m44s
